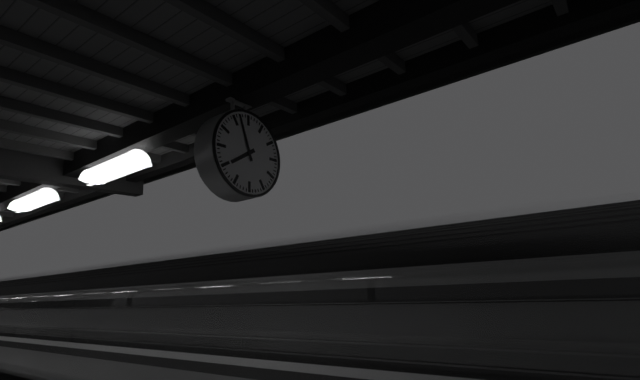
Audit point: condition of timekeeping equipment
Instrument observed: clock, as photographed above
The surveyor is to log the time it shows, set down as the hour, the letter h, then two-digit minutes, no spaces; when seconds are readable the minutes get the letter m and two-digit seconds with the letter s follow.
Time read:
7h57
